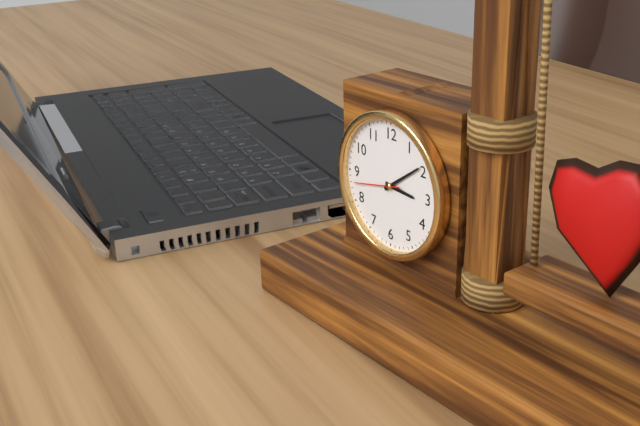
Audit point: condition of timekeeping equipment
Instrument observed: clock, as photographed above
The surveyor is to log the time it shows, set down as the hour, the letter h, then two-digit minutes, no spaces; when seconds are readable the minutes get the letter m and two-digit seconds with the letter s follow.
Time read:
3h09
